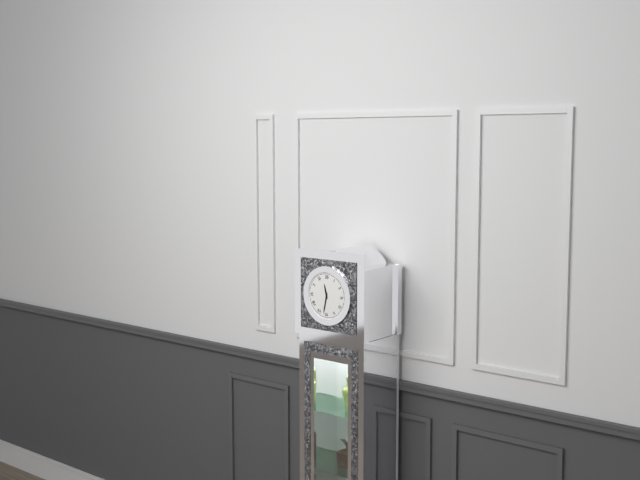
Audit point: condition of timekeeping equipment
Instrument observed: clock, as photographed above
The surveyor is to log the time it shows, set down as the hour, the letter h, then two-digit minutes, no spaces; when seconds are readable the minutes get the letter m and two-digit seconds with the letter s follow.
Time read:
11h32
